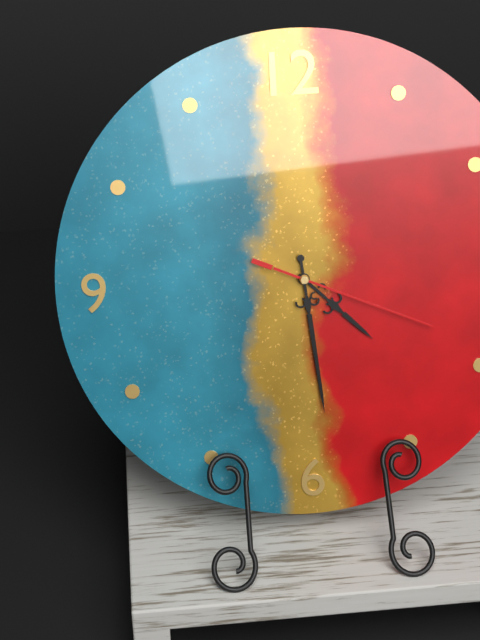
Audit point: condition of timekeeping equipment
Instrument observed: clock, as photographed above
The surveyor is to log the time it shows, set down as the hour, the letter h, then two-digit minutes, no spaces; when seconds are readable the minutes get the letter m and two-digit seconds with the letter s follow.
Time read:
4h29m19s
